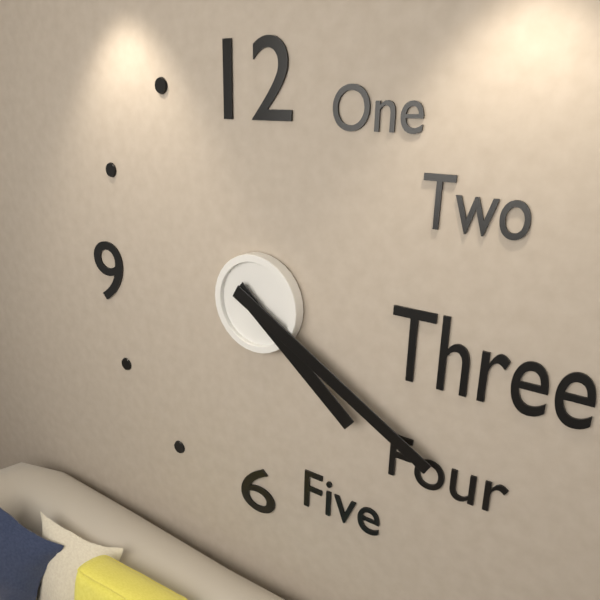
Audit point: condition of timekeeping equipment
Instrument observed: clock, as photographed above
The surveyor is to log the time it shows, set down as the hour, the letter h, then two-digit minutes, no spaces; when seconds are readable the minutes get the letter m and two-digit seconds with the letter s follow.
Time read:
4h20
